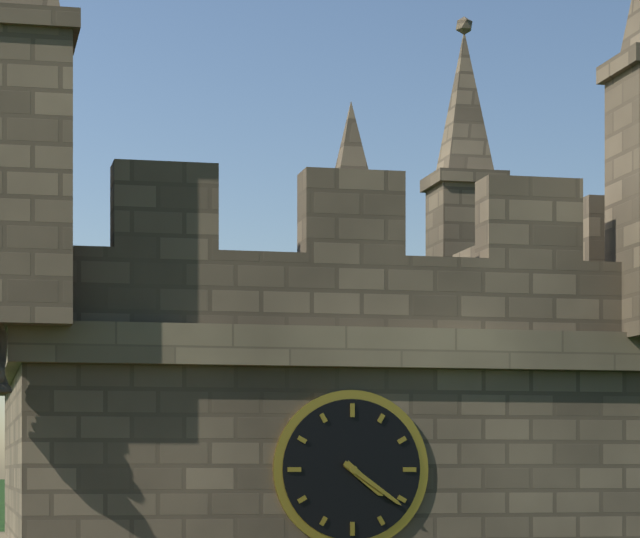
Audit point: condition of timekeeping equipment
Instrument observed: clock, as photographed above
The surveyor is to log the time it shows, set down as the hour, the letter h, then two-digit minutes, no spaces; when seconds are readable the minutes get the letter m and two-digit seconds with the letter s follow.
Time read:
4h21
